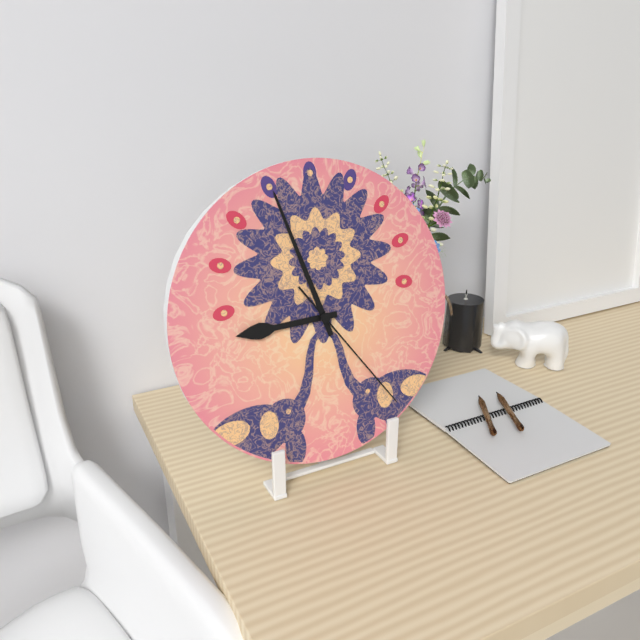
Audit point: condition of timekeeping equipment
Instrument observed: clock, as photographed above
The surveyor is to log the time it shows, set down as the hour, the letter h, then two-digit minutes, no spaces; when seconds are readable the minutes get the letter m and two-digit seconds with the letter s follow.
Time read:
8h57m24s
